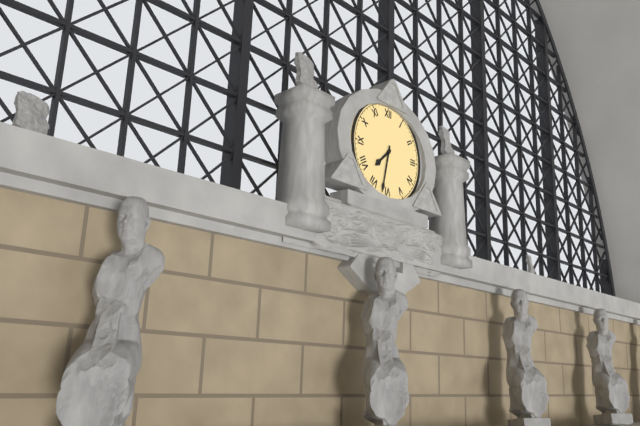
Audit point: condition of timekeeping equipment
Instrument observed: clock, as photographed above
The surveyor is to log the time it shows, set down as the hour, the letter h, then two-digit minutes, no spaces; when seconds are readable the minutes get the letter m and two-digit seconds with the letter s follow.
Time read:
7h32
